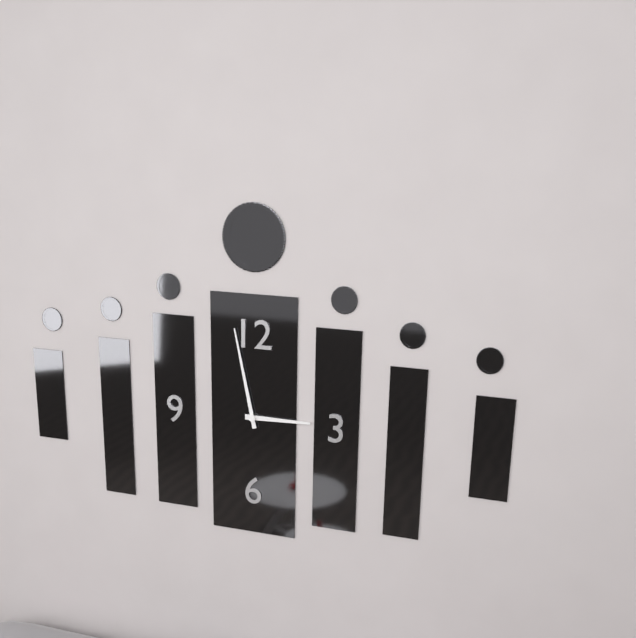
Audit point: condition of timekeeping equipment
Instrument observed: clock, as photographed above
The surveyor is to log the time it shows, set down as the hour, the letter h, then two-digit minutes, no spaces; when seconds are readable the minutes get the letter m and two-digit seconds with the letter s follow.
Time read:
2h58
